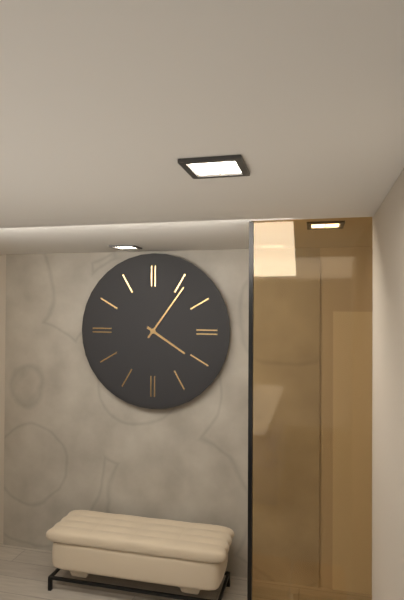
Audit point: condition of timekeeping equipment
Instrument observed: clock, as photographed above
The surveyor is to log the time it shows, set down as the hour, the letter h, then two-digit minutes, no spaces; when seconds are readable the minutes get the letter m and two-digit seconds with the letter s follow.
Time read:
4h06
